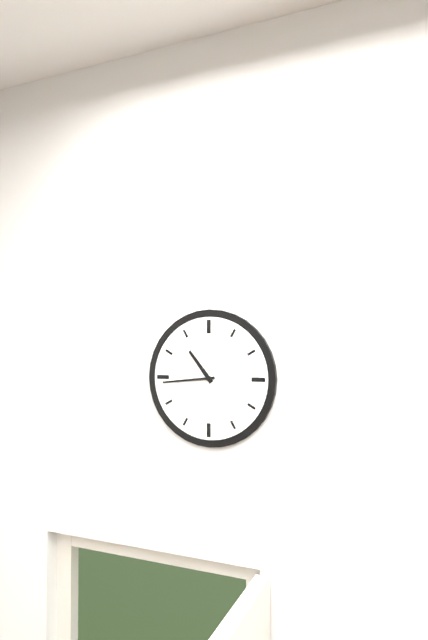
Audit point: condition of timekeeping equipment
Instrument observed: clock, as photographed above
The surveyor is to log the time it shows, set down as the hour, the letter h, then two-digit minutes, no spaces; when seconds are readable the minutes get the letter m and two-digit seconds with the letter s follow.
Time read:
10h44
